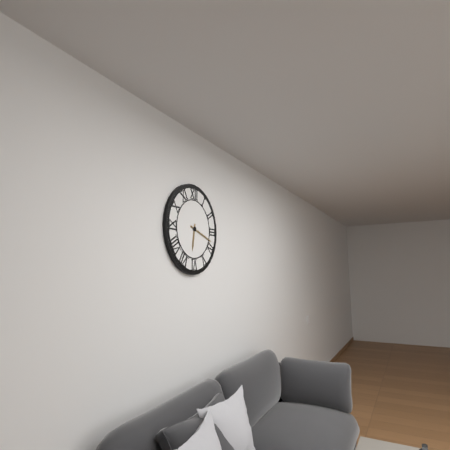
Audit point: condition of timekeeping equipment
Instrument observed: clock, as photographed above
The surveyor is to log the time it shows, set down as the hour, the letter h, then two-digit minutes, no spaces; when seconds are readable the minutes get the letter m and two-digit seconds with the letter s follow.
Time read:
6h18
